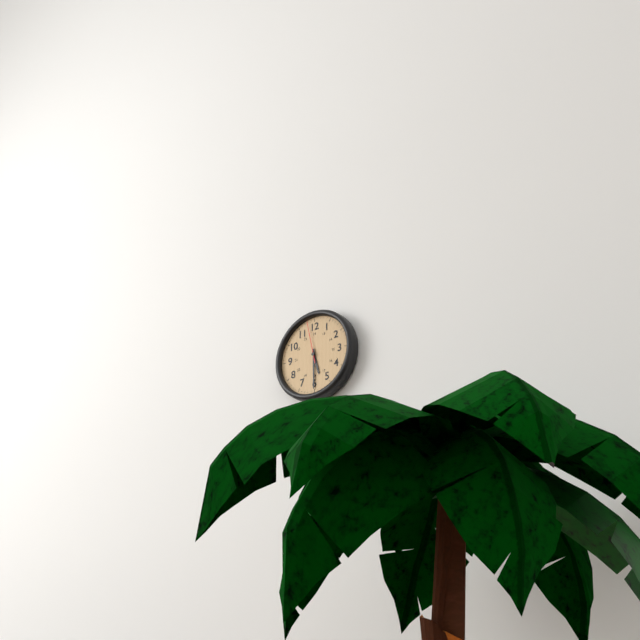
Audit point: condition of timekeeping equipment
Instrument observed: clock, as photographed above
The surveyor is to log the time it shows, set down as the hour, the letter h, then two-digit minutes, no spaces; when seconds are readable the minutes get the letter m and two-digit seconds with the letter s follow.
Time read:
5h30
